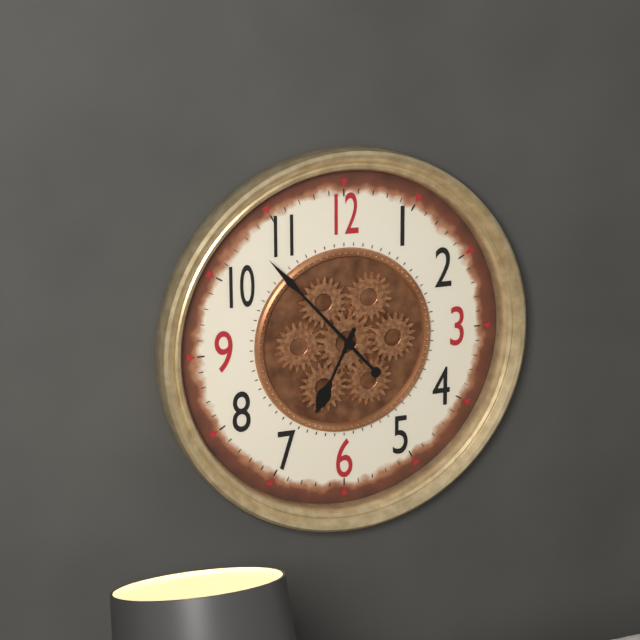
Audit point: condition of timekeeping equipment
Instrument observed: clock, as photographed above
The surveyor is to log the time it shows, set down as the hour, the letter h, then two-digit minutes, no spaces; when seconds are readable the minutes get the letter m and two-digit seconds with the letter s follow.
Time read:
6h53
